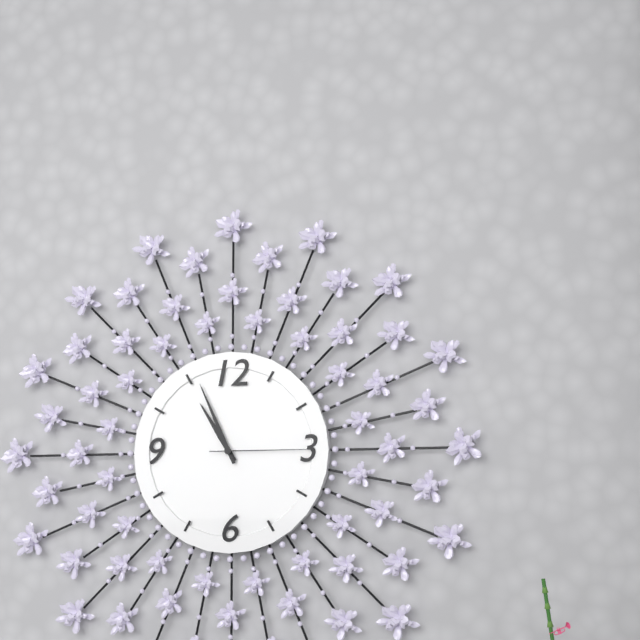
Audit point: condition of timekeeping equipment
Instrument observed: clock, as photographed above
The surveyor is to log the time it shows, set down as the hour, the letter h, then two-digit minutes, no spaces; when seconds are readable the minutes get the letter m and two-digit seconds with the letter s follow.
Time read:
10h56m15s
